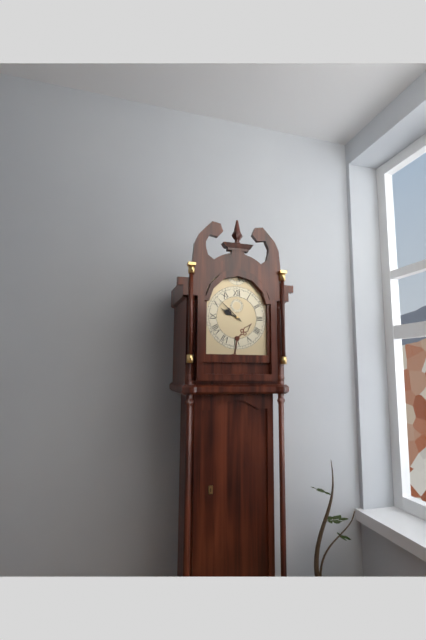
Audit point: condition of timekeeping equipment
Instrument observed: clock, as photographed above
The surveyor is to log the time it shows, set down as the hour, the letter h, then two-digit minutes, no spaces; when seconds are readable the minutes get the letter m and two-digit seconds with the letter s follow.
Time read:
9h52
